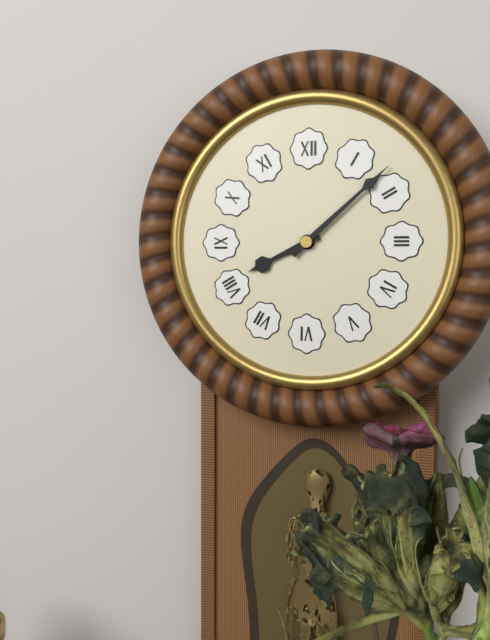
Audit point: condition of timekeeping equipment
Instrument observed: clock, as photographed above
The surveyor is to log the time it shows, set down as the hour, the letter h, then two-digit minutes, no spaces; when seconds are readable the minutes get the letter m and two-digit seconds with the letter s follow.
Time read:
8h08
